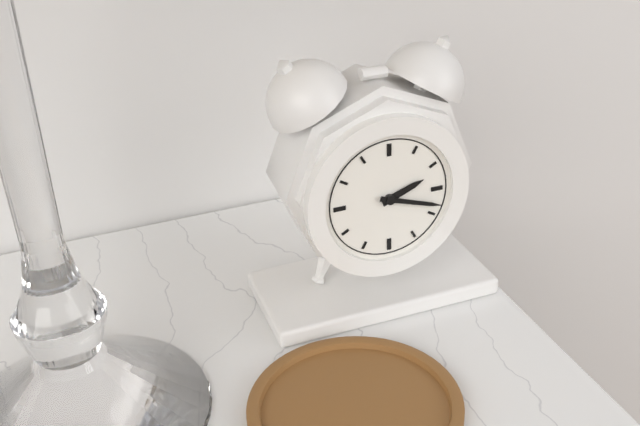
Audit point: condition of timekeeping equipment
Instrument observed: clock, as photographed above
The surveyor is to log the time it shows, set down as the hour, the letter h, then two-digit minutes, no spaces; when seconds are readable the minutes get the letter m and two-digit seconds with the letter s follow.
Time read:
2h18
